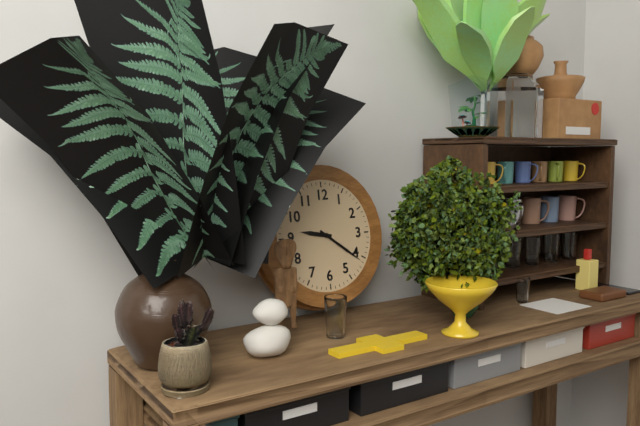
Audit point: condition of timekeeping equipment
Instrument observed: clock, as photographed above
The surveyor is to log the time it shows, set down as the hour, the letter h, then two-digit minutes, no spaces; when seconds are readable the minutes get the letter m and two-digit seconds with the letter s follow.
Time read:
9h21
